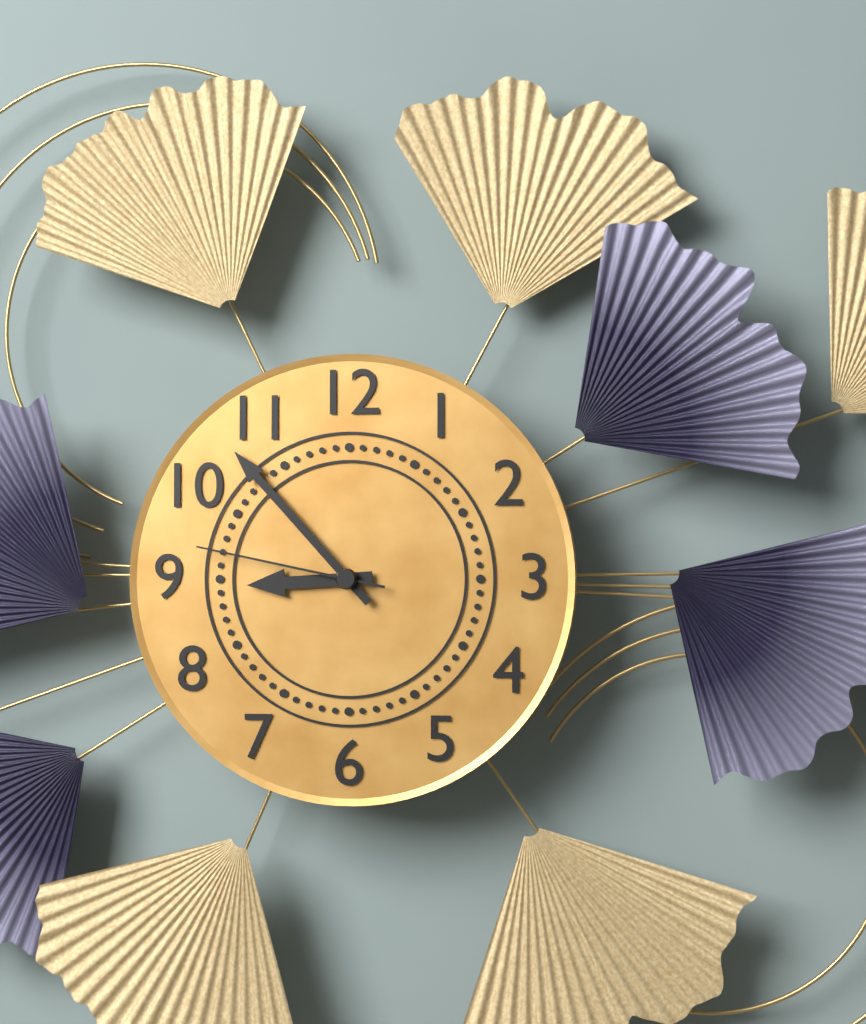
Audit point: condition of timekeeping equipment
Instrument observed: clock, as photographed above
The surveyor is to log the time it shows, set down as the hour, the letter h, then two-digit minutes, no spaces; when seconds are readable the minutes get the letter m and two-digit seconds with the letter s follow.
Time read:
8h53m47s
